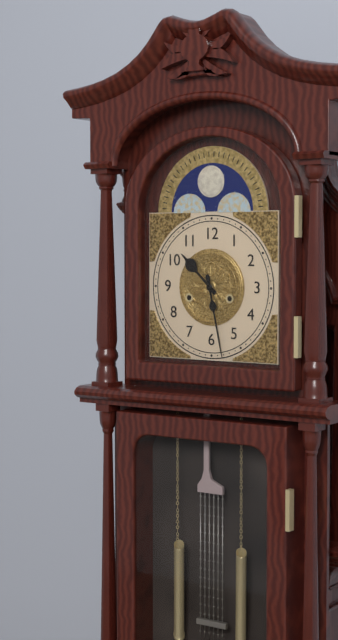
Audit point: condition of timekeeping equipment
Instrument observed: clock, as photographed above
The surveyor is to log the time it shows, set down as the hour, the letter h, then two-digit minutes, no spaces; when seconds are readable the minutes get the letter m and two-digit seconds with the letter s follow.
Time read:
10h28
